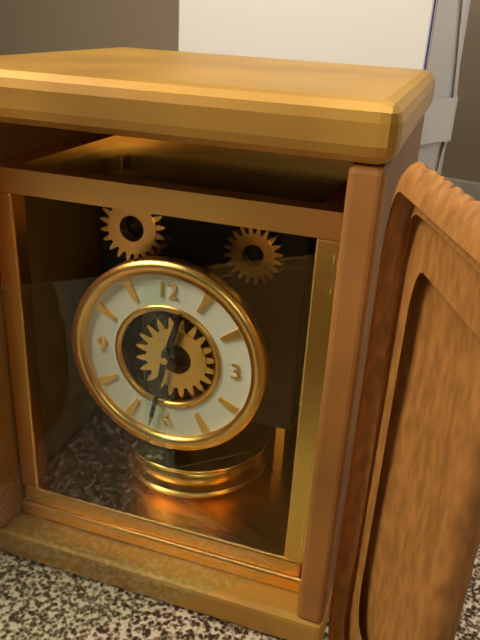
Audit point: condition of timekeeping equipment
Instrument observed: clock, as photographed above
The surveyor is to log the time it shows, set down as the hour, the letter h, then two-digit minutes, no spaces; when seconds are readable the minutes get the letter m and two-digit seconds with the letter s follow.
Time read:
12h32
